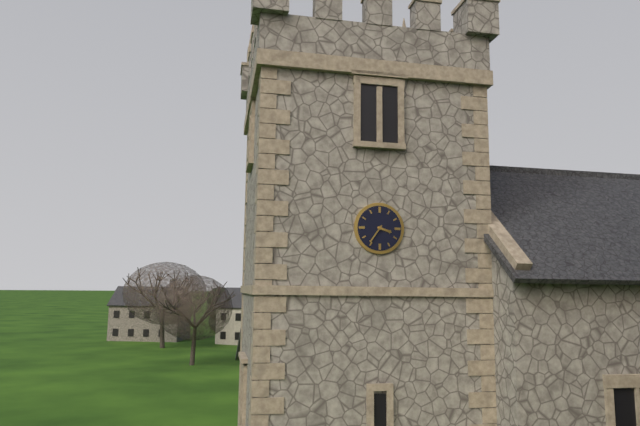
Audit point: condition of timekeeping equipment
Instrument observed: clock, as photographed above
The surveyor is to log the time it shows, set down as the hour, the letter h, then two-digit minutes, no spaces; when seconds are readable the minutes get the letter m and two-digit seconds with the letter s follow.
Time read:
3h36
